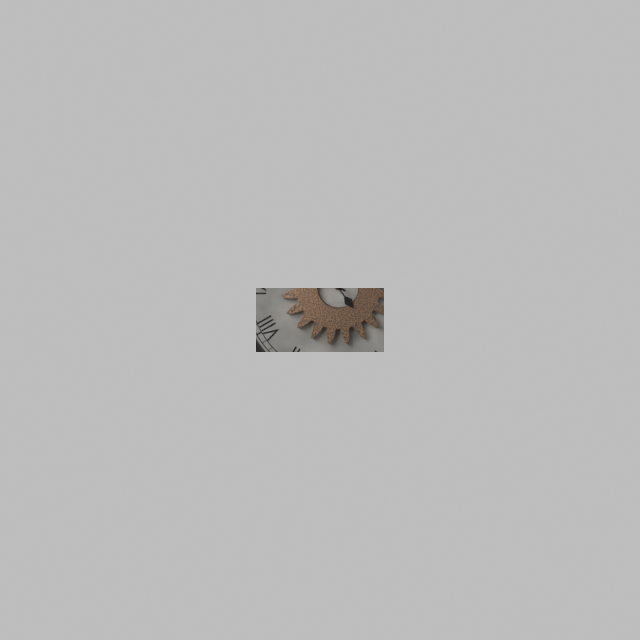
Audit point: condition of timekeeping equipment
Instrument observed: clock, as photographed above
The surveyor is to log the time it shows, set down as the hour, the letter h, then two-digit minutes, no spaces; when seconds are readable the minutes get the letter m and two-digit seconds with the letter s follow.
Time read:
9h54
